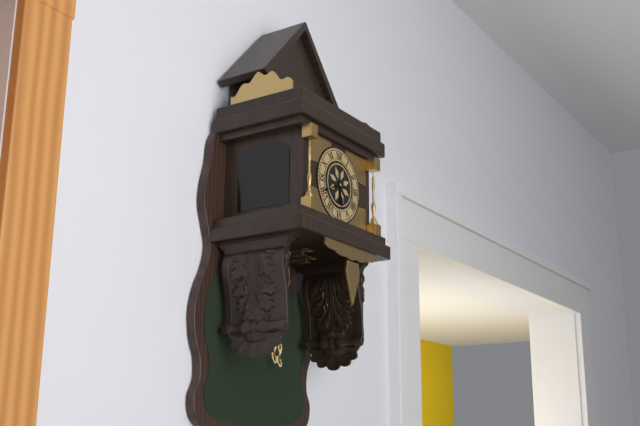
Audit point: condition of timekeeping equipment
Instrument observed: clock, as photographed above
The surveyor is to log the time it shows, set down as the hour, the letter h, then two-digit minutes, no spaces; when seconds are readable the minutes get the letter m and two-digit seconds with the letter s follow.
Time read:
5h41
